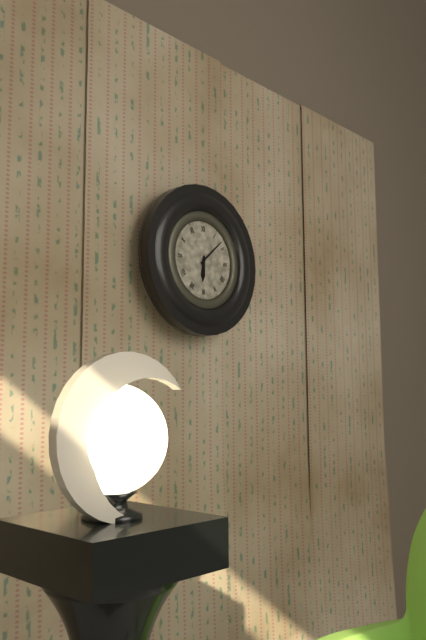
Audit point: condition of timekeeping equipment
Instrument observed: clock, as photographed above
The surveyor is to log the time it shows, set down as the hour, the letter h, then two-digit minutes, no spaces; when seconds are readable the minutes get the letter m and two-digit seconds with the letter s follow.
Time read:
6h08
